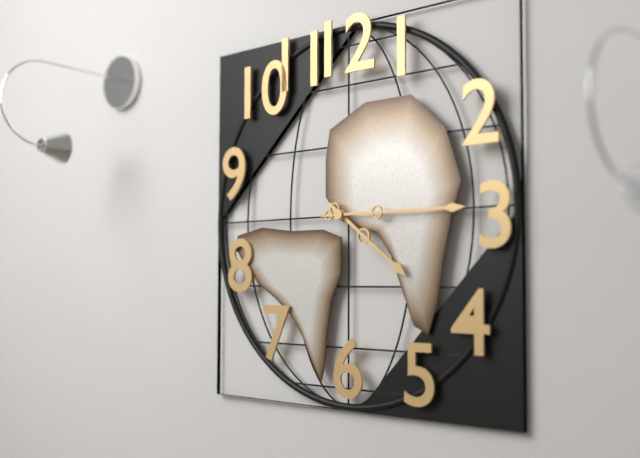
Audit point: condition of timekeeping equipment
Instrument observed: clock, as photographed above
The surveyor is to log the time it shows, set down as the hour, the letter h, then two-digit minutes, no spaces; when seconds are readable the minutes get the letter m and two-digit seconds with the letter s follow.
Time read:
4h15
